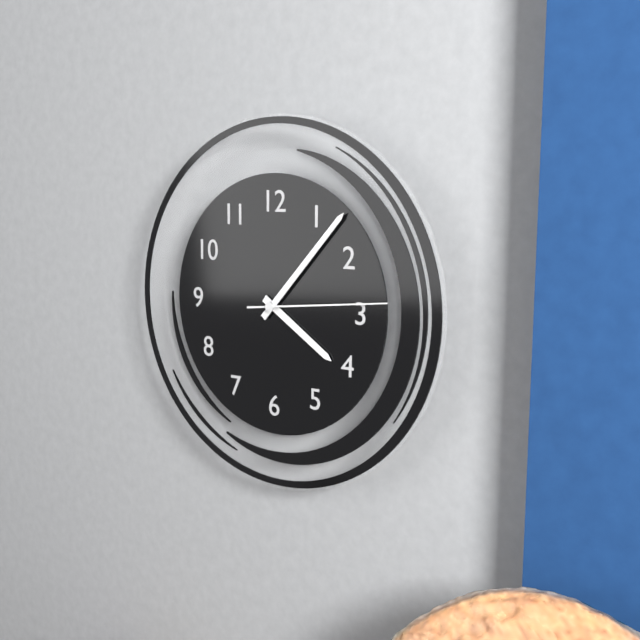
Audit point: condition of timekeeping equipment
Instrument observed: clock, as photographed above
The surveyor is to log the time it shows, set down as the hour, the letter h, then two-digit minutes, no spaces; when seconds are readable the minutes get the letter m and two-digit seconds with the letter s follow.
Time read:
4h07m14s
